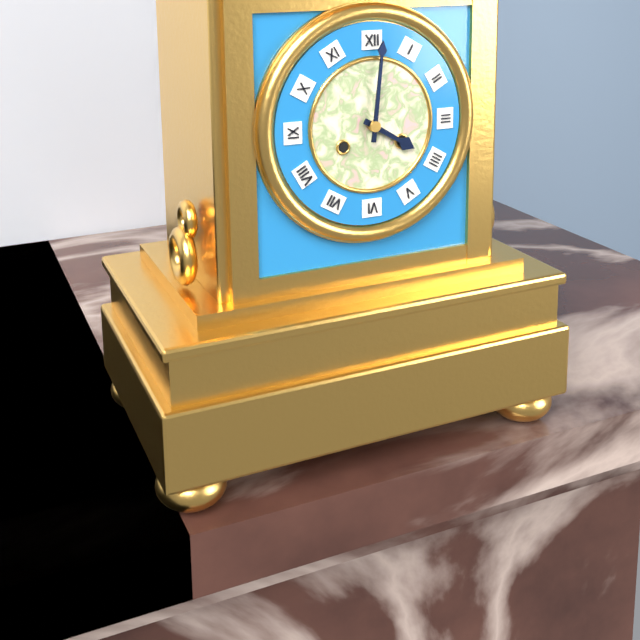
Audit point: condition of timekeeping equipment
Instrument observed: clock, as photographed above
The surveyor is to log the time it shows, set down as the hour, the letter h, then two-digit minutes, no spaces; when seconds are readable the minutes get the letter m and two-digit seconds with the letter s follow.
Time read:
4h01
